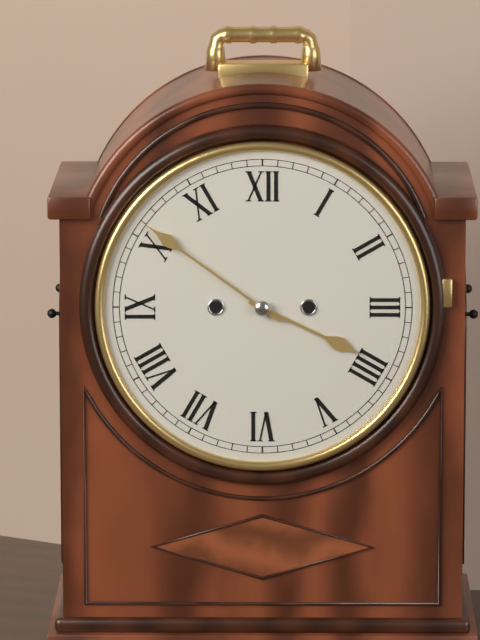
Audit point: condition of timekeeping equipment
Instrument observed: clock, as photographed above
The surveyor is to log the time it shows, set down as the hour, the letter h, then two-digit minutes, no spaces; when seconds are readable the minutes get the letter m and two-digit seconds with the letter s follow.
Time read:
3h51
